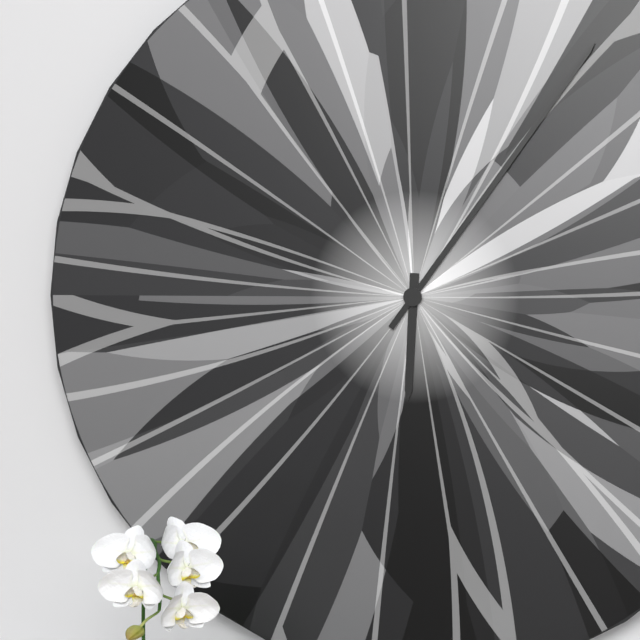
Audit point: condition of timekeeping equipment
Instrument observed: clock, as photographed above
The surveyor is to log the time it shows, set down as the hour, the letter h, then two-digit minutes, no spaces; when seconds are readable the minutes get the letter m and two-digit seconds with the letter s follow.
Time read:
6h06
